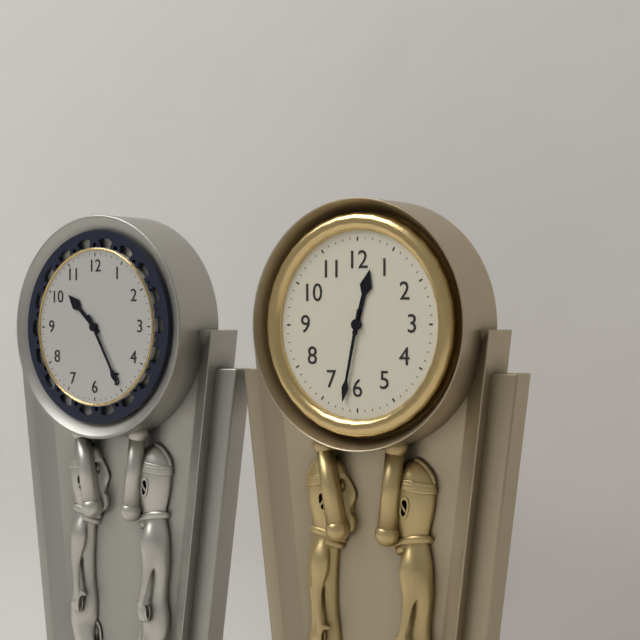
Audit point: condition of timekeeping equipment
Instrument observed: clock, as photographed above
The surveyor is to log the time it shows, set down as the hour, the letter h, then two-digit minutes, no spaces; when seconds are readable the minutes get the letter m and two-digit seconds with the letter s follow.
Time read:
12h32
